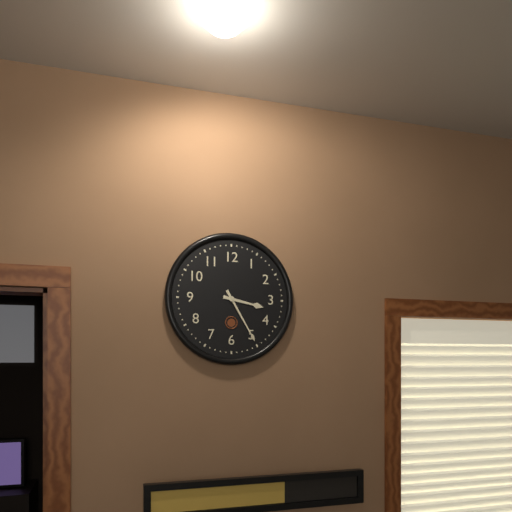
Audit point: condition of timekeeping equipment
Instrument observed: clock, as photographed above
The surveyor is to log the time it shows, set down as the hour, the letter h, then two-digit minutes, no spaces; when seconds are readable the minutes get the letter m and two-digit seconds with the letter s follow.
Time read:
3h25
